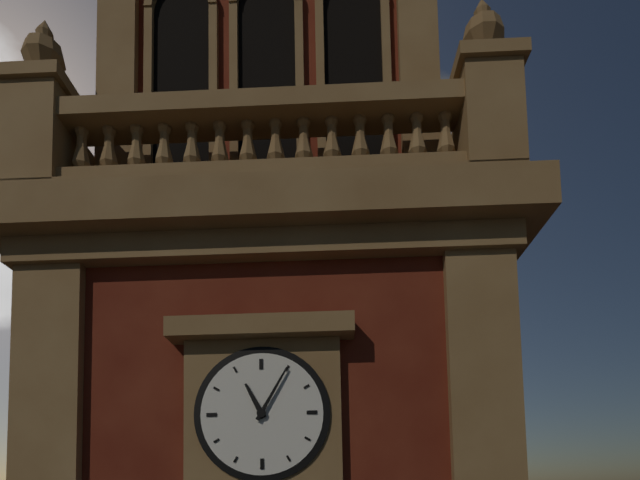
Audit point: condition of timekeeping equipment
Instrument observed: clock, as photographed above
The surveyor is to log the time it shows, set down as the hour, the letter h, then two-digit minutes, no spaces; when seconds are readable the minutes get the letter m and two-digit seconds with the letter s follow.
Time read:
11h05
